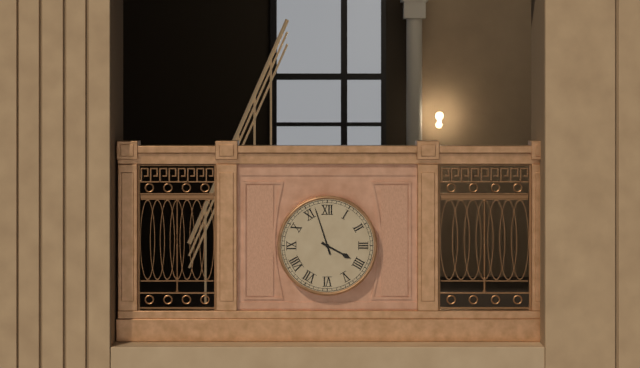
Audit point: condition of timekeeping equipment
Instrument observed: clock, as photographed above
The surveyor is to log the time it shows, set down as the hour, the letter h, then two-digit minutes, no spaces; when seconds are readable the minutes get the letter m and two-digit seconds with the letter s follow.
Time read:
3h57
